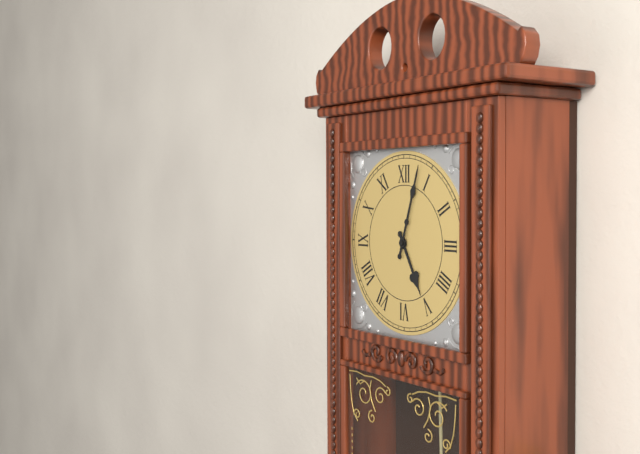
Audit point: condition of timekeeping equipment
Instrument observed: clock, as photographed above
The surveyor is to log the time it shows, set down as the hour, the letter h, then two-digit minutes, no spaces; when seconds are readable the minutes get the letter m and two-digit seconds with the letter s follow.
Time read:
5h03
